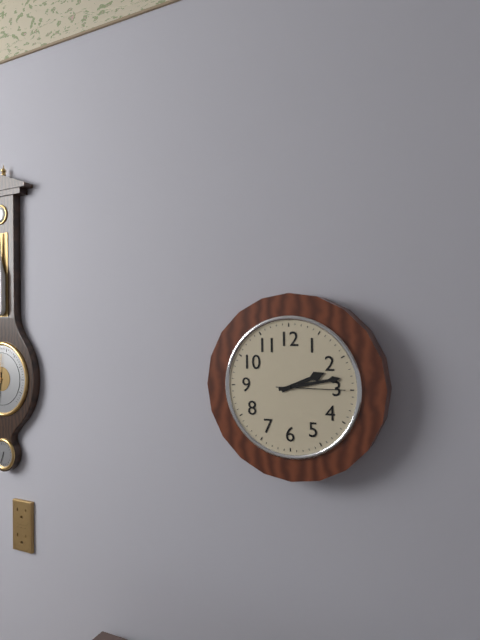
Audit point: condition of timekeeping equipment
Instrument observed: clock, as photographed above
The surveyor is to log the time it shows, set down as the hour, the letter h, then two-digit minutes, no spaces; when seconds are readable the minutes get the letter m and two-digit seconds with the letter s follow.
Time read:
2h13m15s
